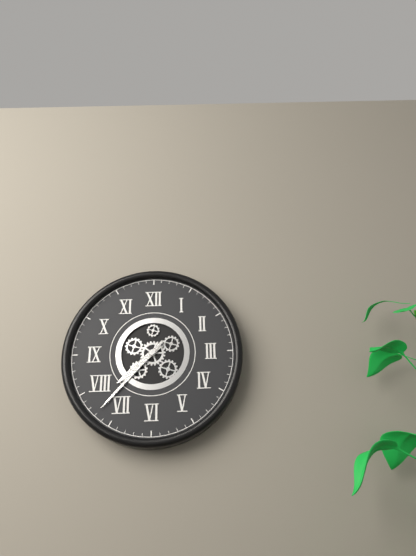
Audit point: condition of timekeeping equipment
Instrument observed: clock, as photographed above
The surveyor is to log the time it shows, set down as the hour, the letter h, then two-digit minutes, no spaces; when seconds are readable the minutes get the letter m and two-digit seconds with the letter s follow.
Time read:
7h37
